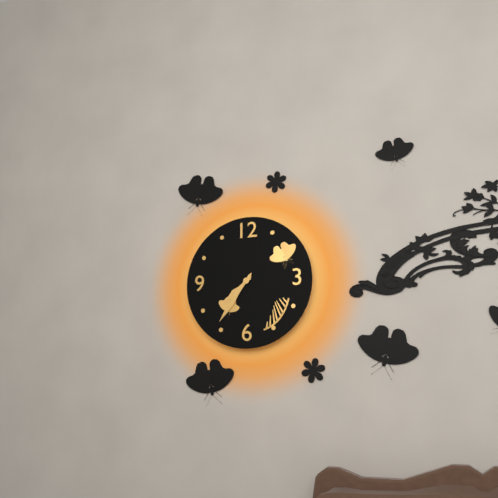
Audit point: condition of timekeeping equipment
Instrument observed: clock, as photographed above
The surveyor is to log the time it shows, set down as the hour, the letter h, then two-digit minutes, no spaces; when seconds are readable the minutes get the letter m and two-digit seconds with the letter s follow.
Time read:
7h36
